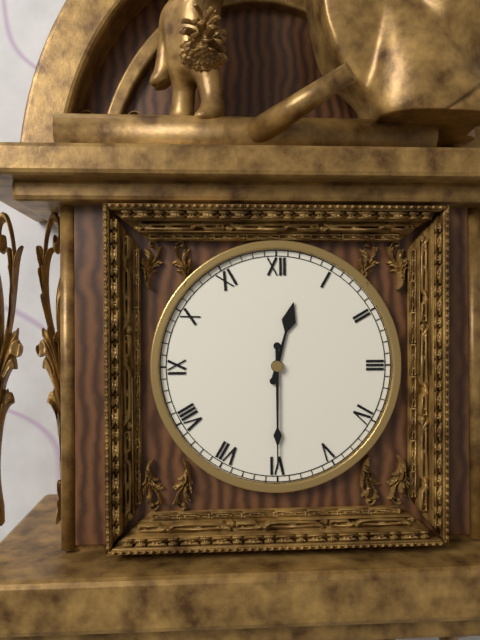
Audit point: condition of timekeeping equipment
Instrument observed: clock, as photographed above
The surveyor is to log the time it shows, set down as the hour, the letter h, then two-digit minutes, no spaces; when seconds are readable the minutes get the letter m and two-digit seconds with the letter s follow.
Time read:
12h30
